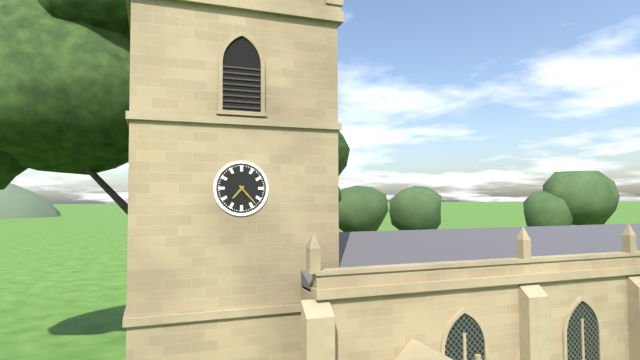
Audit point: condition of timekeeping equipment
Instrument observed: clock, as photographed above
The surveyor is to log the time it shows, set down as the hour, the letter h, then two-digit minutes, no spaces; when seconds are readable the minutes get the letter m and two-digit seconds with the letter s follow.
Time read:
7h23
